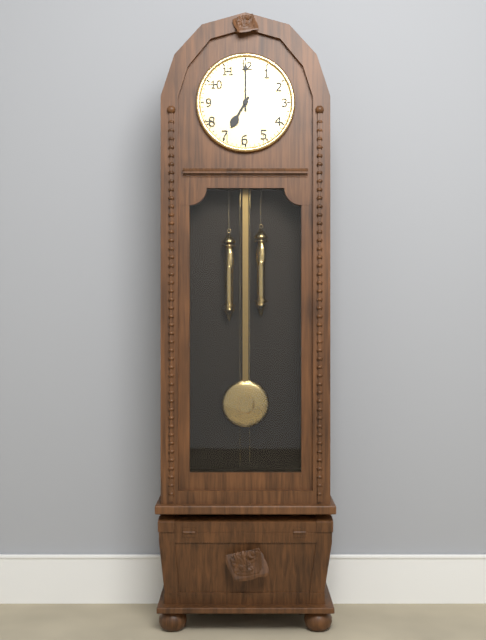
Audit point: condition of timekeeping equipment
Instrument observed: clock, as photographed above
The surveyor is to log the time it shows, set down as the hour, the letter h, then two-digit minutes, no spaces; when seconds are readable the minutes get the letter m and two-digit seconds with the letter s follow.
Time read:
7h00
